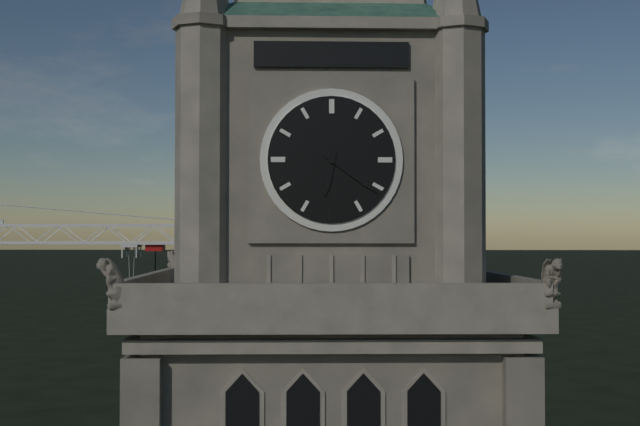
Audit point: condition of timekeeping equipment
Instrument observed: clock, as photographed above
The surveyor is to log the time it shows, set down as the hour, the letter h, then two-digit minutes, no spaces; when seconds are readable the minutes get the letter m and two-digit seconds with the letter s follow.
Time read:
6h21
